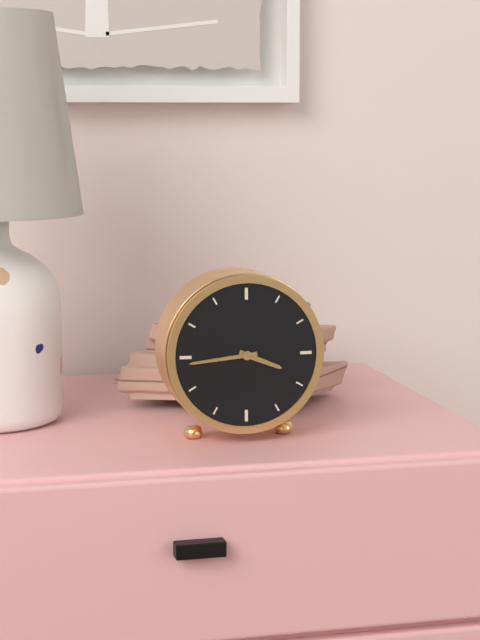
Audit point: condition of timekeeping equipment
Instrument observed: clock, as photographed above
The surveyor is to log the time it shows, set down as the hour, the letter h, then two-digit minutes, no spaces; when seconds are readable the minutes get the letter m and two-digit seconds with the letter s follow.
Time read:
3h44
